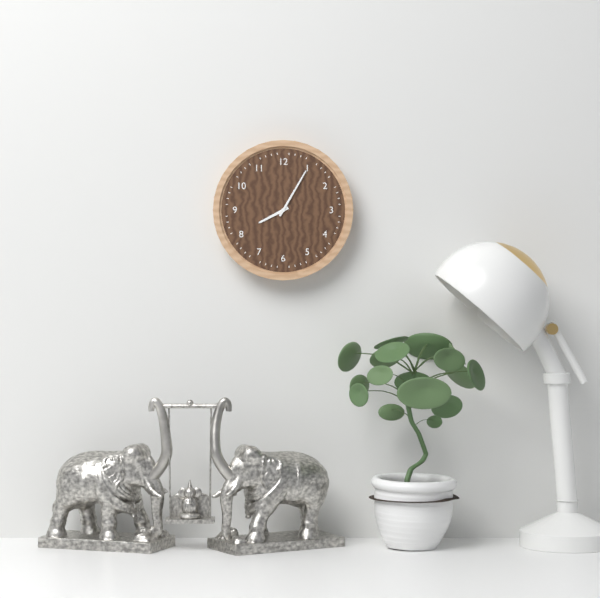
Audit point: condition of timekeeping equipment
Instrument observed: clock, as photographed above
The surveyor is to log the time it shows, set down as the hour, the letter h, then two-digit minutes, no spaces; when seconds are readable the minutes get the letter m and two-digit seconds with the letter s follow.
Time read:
8h05
